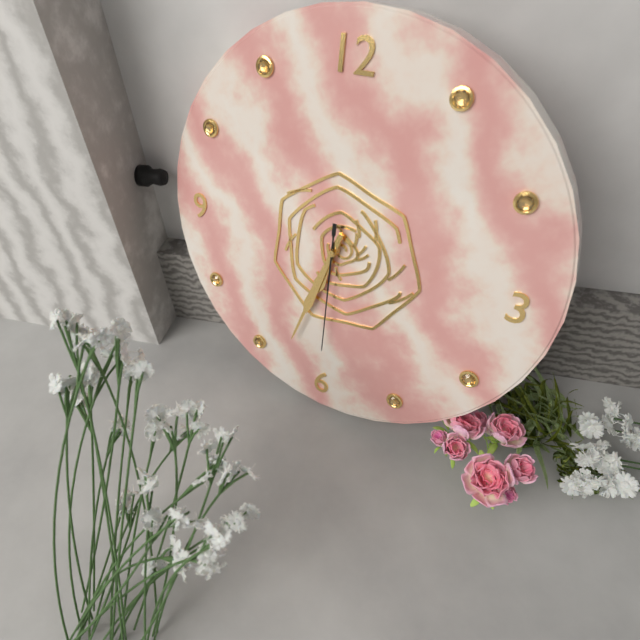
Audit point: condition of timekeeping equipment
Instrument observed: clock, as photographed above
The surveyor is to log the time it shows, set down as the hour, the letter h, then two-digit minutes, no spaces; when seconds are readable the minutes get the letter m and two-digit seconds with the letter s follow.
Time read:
6h33m30s
